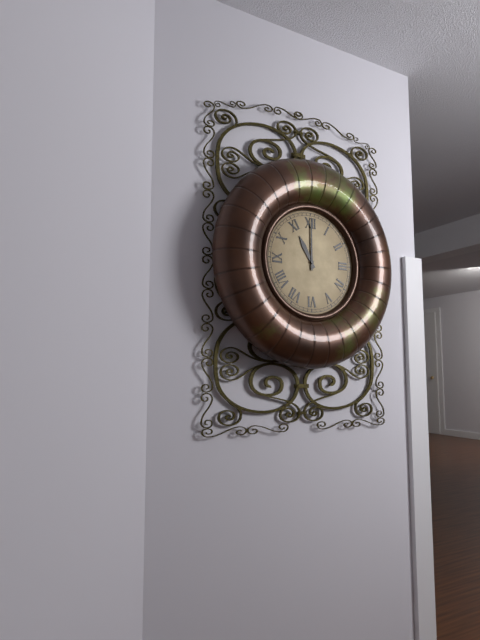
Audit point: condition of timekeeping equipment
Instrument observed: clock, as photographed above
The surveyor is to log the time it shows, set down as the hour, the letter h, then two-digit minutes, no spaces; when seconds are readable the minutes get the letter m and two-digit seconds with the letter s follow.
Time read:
11h00
